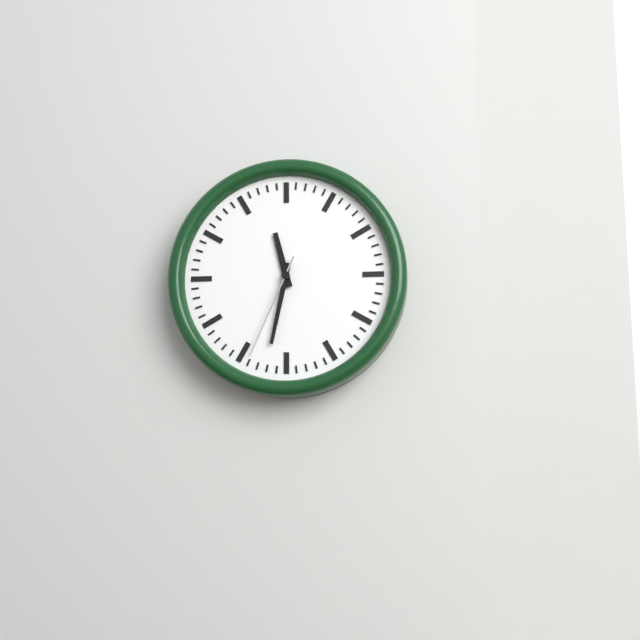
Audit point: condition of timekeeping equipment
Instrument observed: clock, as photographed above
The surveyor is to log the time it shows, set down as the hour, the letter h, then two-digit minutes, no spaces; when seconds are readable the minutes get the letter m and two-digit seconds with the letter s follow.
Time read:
11h32m34s
